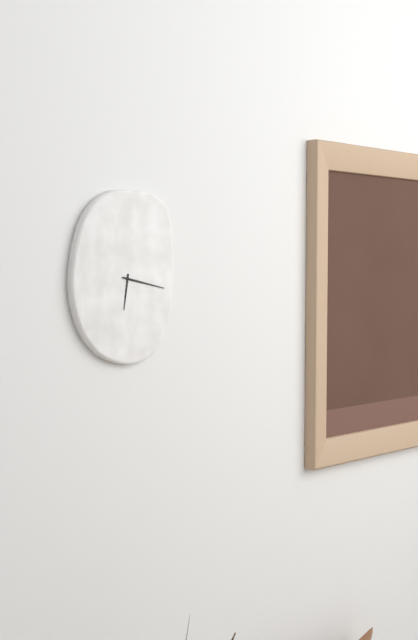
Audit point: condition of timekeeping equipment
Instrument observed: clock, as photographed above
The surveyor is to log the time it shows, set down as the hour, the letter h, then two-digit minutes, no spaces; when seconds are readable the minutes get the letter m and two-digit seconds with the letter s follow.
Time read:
6h17
